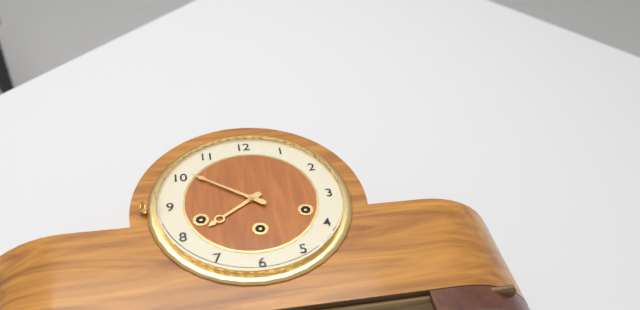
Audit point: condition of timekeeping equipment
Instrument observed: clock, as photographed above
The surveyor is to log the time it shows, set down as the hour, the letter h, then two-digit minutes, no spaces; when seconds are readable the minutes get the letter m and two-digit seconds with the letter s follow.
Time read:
7h51
